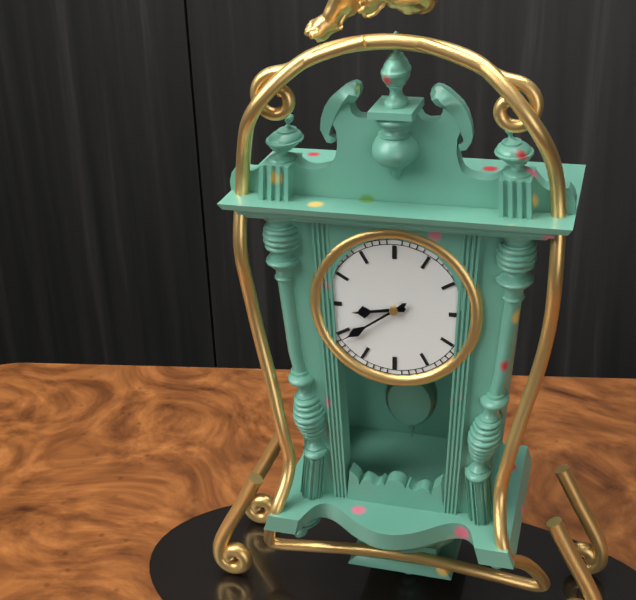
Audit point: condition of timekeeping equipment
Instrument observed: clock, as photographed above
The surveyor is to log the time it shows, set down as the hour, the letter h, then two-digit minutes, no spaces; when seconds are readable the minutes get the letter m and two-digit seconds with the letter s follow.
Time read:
8h39
